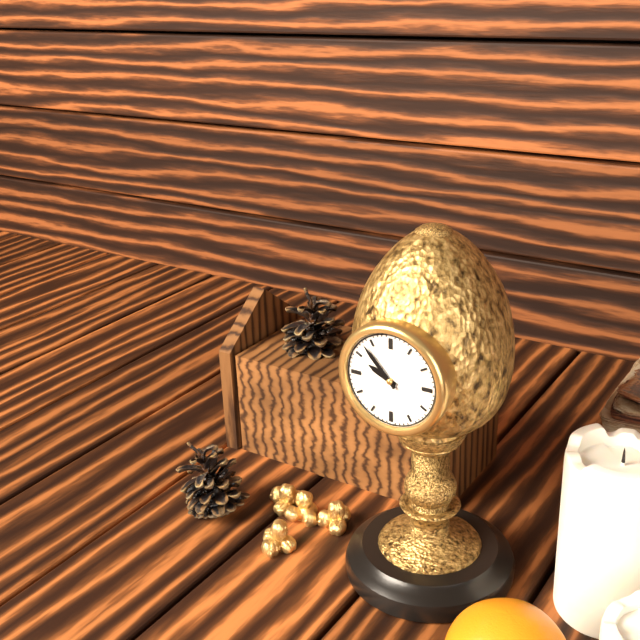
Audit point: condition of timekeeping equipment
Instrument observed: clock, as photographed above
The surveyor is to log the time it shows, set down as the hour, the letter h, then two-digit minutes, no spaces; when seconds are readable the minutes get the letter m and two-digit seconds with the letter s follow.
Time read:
9h53
